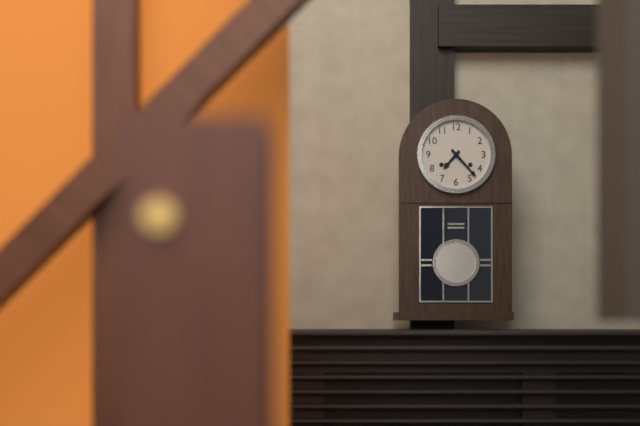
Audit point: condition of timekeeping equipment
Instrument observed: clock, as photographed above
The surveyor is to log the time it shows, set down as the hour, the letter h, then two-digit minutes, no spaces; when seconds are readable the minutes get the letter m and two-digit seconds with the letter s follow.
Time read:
7h23
